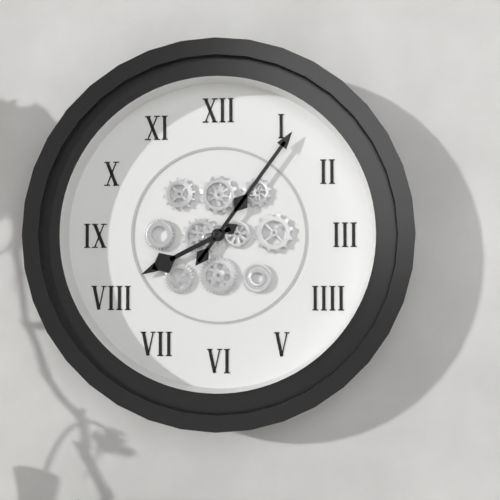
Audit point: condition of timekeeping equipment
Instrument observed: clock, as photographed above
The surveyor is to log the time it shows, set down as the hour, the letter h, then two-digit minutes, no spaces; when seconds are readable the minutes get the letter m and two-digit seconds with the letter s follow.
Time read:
8h06
